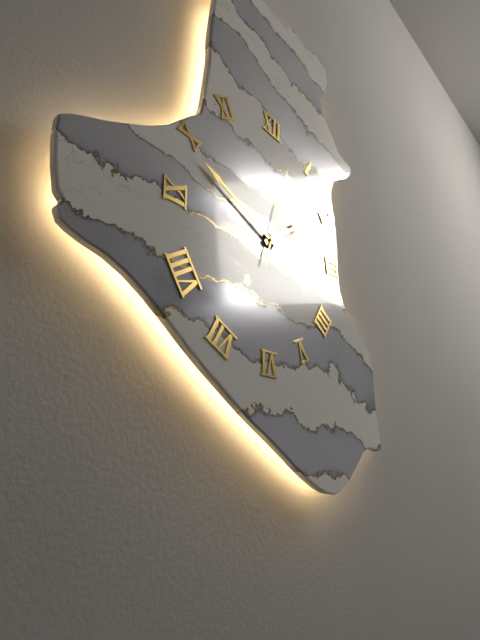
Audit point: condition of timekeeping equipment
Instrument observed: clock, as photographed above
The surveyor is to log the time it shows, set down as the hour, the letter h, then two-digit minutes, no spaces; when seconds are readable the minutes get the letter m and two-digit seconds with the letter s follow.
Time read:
1h49m03s
